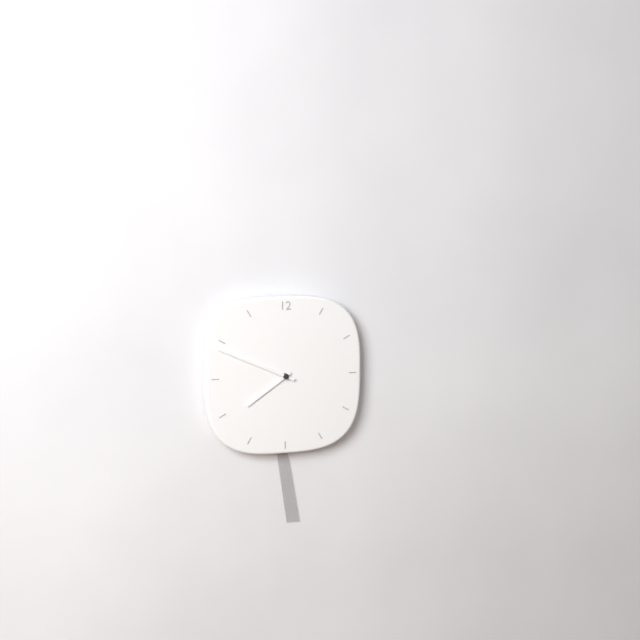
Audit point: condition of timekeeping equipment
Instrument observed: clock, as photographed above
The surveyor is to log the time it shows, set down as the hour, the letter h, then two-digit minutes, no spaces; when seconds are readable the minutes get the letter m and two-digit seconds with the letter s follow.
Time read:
7h49
